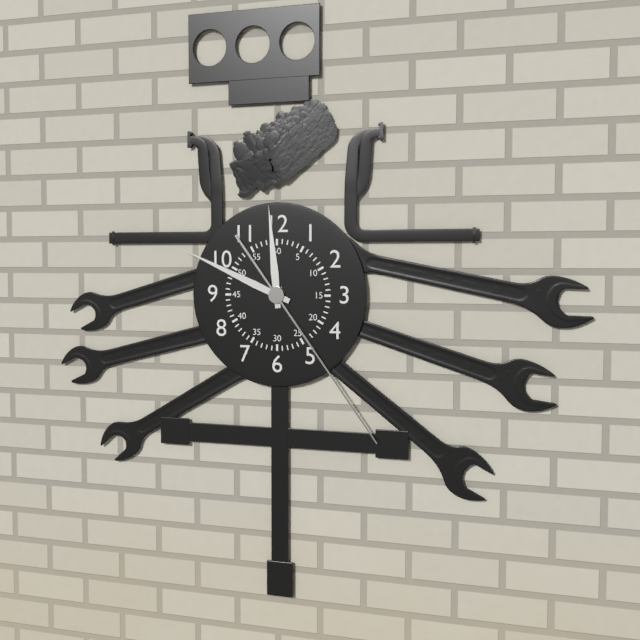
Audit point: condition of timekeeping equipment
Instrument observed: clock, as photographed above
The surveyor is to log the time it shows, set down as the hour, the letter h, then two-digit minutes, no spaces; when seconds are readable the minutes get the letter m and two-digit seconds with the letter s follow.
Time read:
11h49m24s
